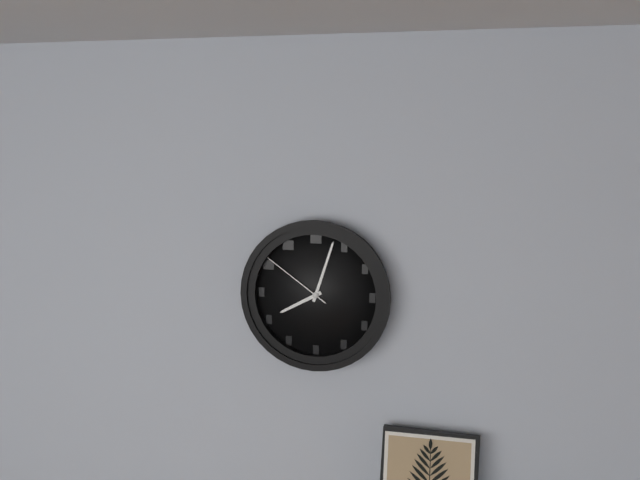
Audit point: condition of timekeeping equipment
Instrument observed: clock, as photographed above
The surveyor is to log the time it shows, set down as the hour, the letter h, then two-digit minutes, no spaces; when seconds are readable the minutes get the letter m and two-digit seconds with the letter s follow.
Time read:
8h03m51s
